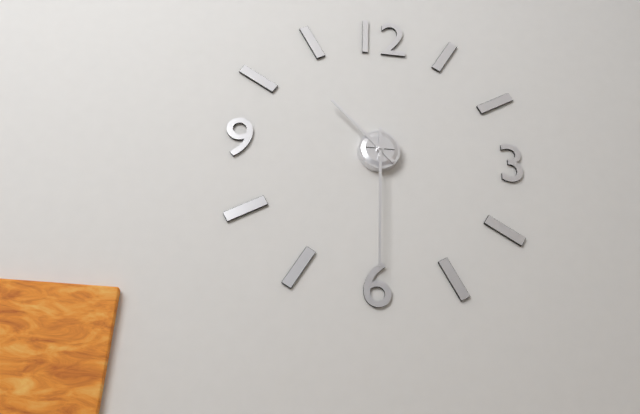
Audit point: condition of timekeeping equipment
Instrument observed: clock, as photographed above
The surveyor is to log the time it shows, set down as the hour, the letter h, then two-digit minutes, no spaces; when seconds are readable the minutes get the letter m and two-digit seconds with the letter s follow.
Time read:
10h30
